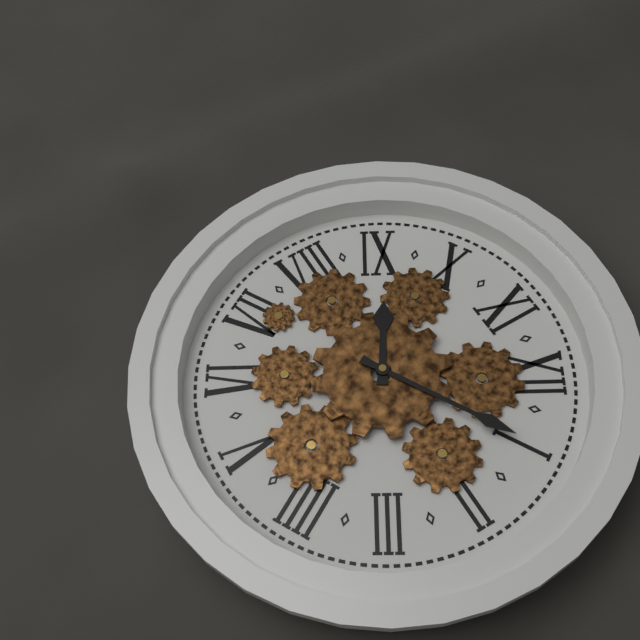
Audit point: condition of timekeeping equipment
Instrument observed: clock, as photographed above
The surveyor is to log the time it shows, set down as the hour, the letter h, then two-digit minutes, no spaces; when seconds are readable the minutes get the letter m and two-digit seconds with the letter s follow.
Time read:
9h05
